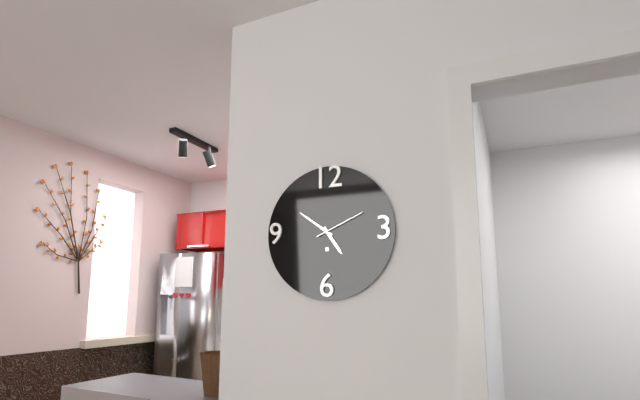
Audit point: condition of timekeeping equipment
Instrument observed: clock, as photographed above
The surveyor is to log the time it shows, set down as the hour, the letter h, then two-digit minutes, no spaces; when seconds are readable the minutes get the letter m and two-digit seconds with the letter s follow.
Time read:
4h51
